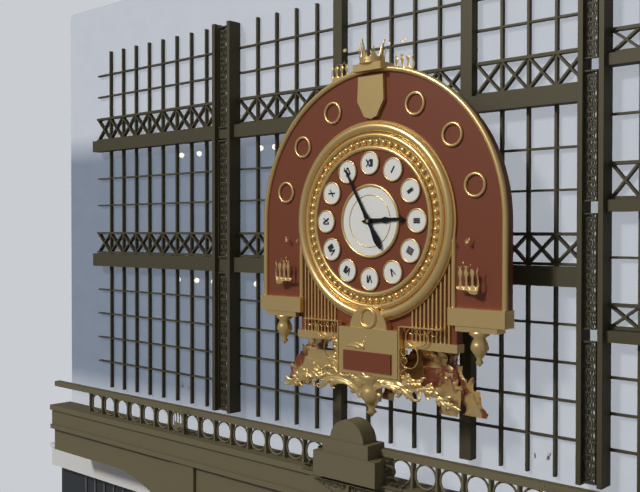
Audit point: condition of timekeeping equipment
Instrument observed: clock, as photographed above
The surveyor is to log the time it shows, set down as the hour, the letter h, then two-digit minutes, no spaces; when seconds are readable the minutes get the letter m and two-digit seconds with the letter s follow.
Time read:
2h55
